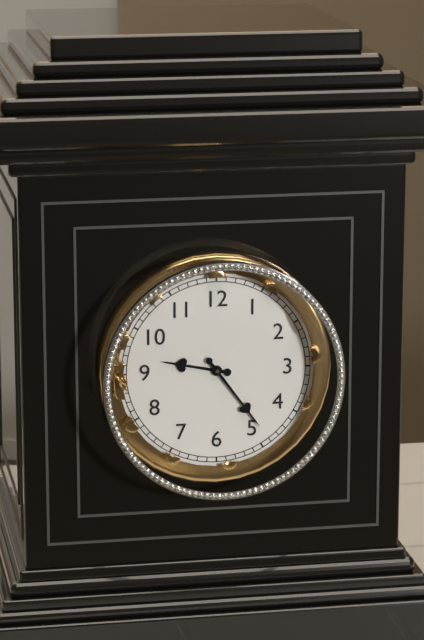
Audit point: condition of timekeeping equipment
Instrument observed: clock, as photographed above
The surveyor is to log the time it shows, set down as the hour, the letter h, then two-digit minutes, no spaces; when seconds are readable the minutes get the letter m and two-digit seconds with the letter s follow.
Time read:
9h24
